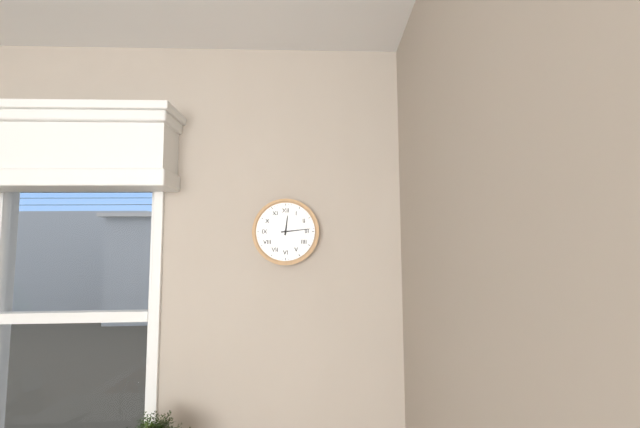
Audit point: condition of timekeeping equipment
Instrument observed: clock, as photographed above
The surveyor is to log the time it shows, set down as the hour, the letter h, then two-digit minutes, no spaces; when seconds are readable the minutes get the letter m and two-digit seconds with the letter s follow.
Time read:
12h14
